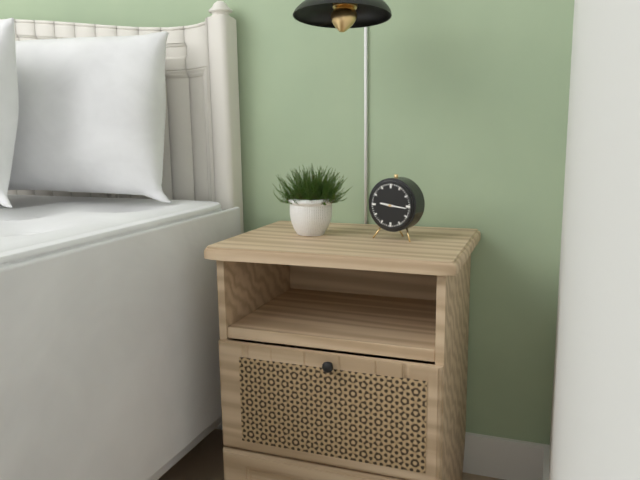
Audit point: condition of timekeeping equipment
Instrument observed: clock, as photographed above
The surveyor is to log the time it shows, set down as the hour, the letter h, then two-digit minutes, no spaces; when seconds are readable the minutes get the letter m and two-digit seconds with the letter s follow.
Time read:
9h16
